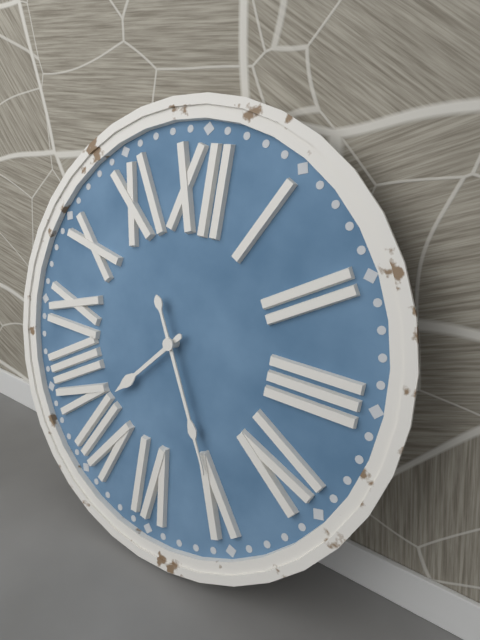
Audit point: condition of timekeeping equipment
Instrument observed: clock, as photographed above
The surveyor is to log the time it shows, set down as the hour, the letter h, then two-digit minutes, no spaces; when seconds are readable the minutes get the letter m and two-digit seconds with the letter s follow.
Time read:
7h25
